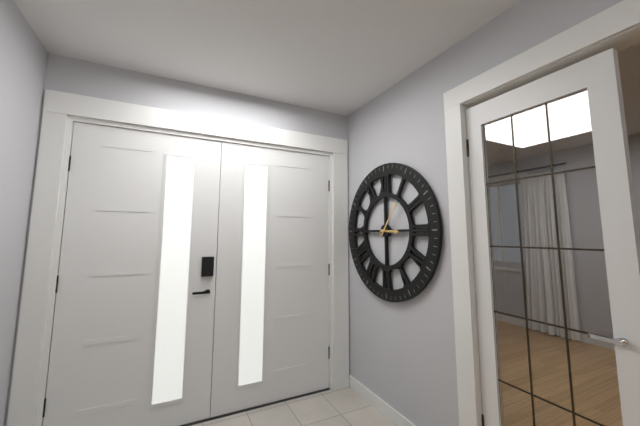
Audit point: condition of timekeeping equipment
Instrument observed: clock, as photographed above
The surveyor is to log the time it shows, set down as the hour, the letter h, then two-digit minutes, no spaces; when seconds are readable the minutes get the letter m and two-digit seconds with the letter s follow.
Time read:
3h06
